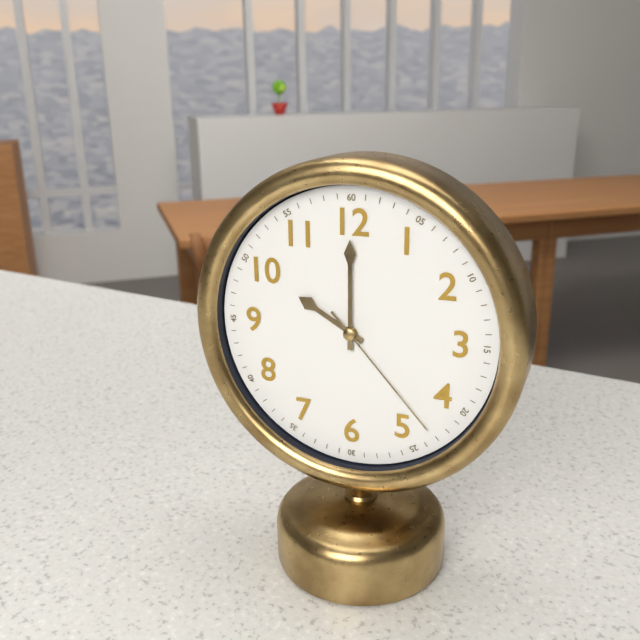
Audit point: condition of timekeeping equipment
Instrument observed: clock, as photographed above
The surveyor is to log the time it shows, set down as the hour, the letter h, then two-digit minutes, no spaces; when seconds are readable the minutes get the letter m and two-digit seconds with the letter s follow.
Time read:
10h00m23s
